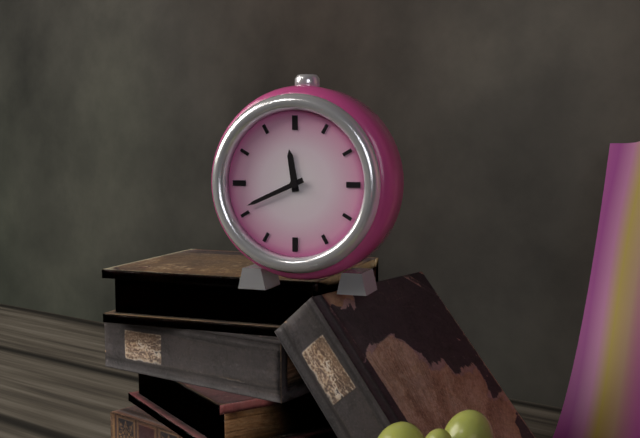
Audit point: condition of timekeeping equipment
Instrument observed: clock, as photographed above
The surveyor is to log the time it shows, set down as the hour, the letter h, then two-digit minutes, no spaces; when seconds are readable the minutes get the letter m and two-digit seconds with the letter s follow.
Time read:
11h41
